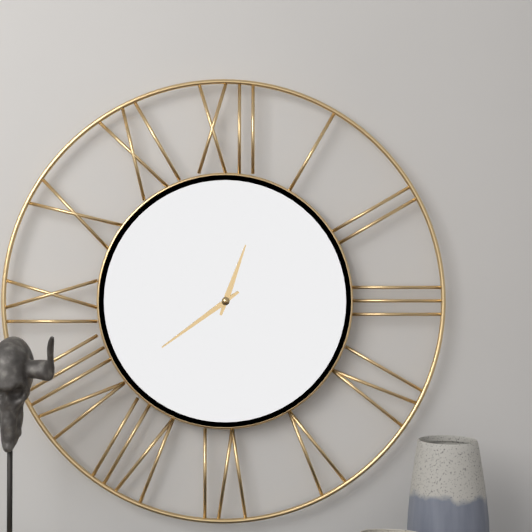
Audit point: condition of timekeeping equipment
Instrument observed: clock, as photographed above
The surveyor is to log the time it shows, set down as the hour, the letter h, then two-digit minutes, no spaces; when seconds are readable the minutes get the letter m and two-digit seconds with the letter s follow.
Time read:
12h39
